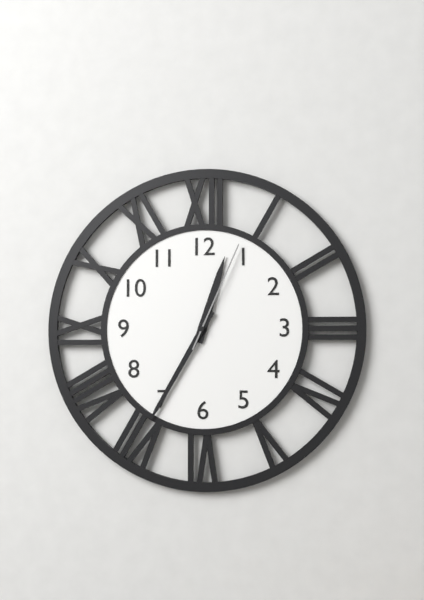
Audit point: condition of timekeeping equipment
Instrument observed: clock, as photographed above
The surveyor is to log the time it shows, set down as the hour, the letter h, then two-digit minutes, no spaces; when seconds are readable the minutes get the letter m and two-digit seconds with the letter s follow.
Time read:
12h35m04s
